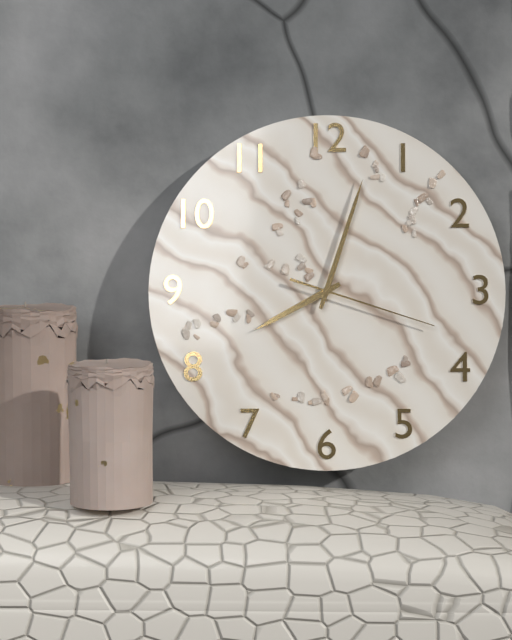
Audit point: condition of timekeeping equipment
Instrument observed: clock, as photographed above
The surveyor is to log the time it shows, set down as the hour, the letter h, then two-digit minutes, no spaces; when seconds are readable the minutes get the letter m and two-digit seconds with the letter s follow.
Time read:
8h03m18s
